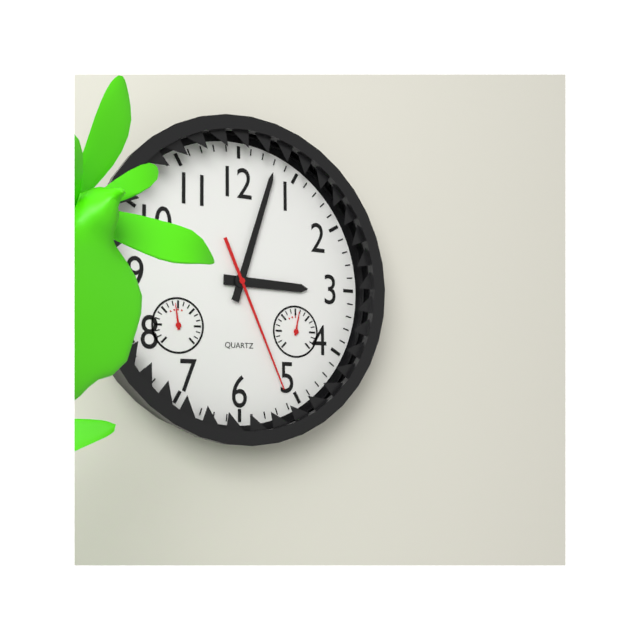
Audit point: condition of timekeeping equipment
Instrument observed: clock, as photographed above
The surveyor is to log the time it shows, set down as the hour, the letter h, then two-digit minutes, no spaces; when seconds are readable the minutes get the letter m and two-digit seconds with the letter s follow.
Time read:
3h03m26s
